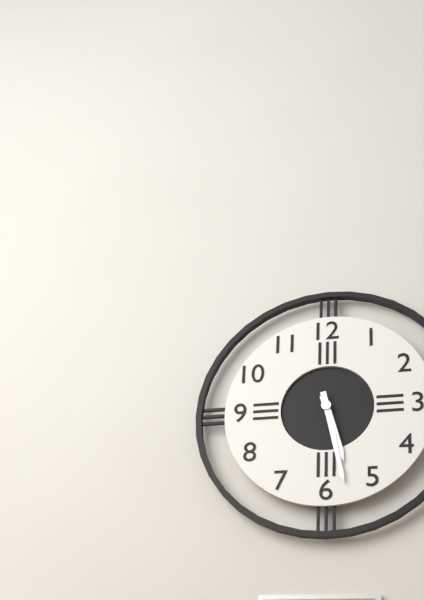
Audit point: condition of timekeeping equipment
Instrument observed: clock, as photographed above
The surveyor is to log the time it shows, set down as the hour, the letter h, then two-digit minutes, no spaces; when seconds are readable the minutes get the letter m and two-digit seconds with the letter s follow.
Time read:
5h28
